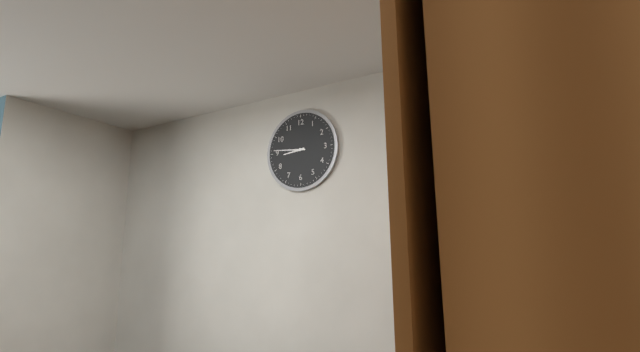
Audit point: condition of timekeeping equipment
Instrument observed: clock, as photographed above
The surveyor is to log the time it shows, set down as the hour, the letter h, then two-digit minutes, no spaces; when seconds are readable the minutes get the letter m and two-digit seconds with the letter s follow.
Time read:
8h46
